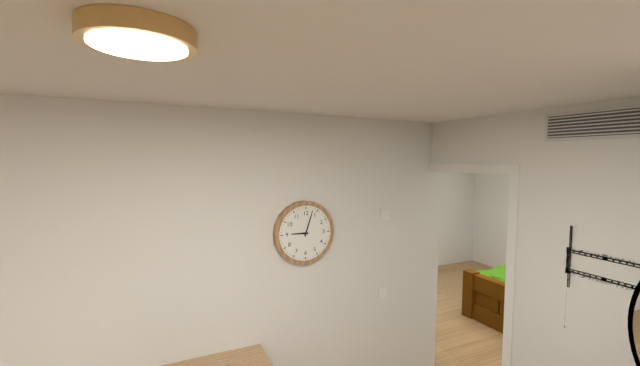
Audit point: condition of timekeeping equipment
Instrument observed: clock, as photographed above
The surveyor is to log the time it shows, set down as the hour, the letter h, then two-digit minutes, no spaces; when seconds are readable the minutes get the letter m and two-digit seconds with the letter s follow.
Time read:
9h03
